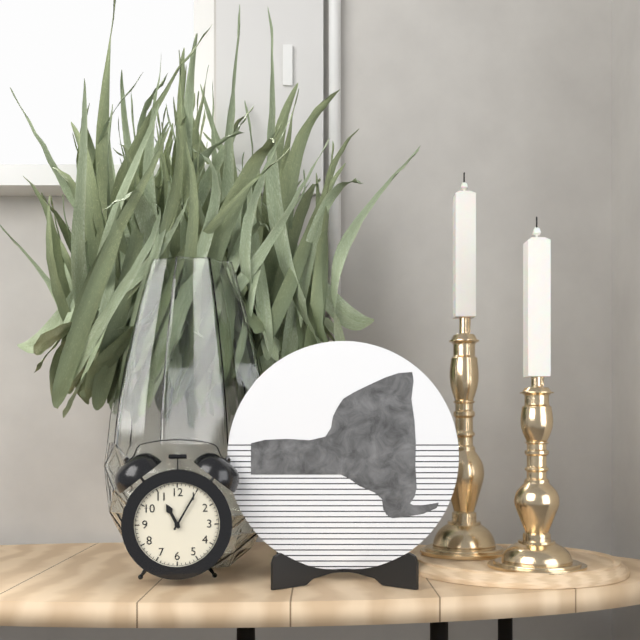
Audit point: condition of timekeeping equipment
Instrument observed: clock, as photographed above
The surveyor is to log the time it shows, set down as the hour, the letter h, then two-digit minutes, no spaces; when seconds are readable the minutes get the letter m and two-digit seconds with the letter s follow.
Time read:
11h05
